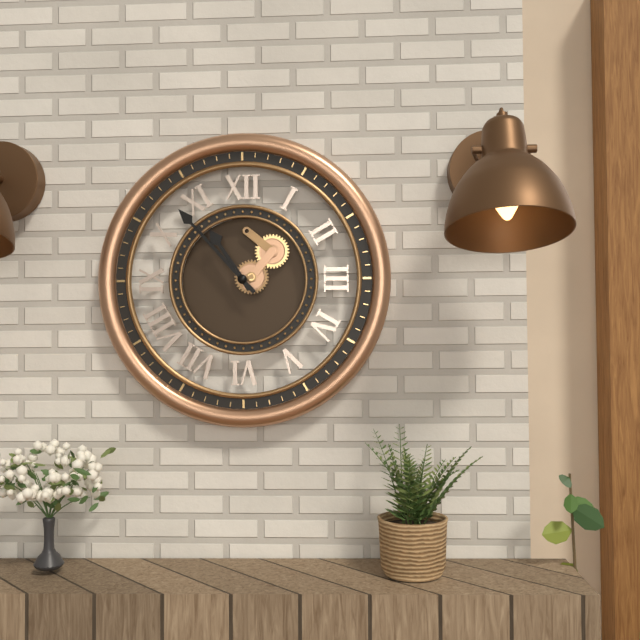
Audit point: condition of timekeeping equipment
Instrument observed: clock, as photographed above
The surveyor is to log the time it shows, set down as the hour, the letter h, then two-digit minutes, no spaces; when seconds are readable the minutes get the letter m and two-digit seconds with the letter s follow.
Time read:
10h53
